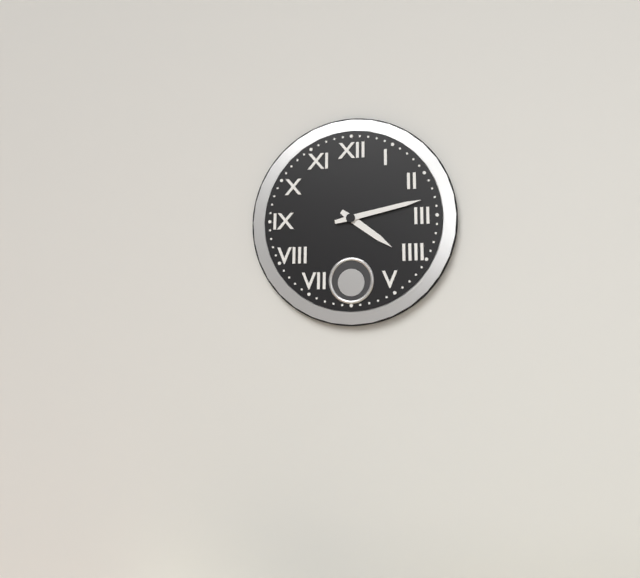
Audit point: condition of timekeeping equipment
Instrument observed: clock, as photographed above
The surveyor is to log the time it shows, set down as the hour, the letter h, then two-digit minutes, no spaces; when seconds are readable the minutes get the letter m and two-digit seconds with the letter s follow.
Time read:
4h13
